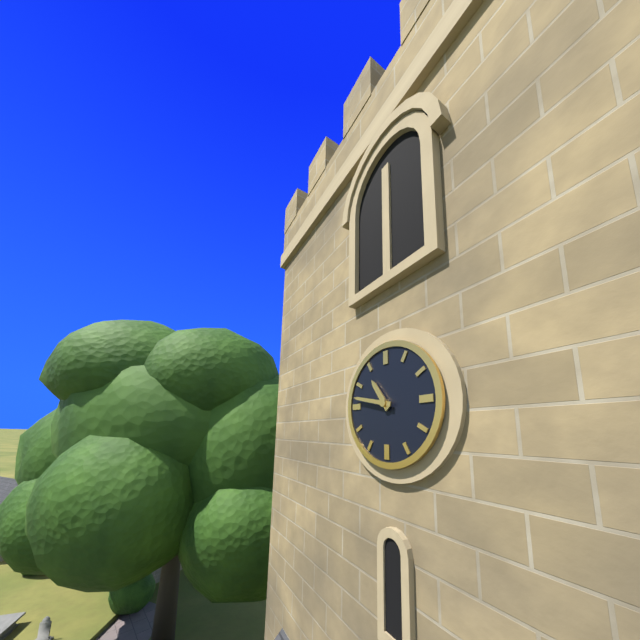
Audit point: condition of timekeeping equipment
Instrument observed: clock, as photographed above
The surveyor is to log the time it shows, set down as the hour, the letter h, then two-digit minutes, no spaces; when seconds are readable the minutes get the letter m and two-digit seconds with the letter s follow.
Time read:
10h47
